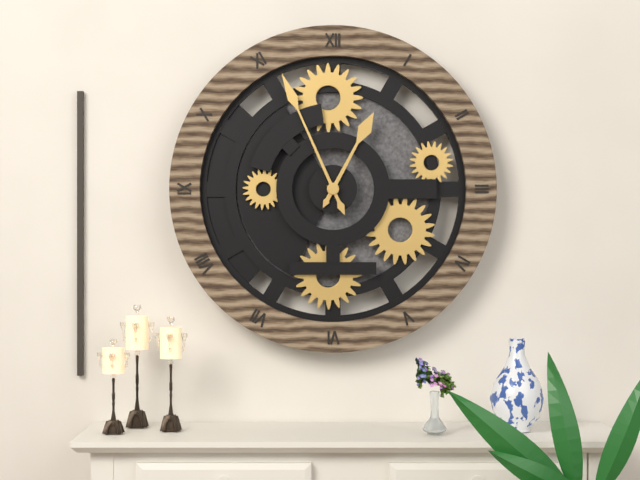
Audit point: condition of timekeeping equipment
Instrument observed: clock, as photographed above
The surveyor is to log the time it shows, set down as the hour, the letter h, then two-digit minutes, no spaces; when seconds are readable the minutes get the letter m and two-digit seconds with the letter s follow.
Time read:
12h56
